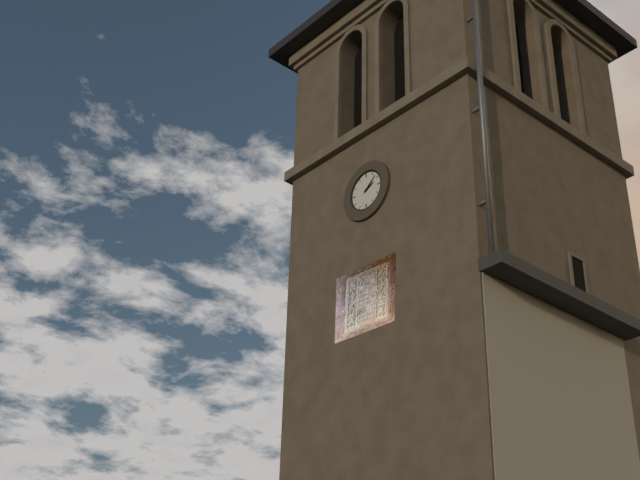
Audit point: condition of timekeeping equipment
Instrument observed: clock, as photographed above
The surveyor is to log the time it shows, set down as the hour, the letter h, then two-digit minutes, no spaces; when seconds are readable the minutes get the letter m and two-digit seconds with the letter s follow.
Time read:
2h08
